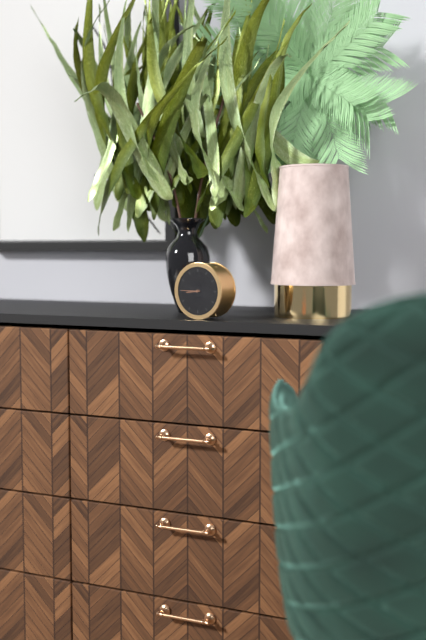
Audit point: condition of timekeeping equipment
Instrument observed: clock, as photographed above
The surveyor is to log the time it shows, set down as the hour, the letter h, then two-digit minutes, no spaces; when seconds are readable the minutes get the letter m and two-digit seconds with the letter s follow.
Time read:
8h45
